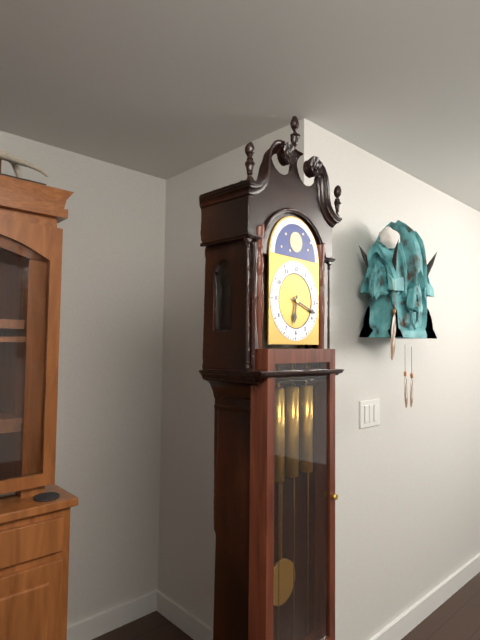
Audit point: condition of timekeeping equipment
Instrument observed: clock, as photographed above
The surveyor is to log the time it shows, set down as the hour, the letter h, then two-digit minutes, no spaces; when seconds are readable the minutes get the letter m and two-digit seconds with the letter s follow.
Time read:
6h18
